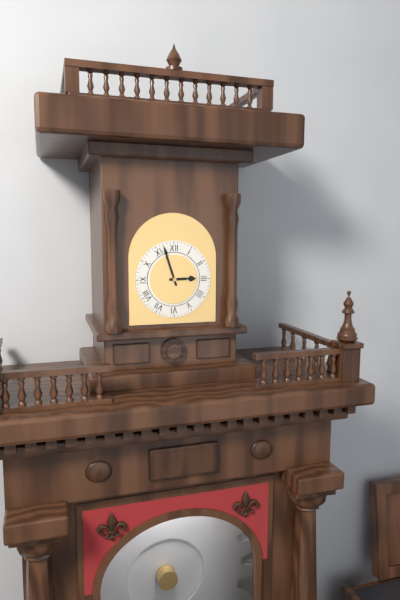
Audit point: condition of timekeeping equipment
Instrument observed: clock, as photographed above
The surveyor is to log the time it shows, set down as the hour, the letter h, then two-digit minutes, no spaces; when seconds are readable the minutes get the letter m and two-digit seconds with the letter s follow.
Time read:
2h57
